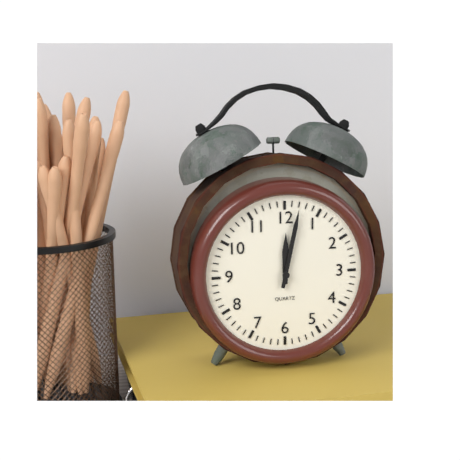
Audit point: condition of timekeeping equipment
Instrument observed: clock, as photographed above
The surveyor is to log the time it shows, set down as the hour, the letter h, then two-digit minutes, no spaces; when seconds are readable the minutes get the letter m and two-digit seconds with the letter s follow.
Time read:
12h02
